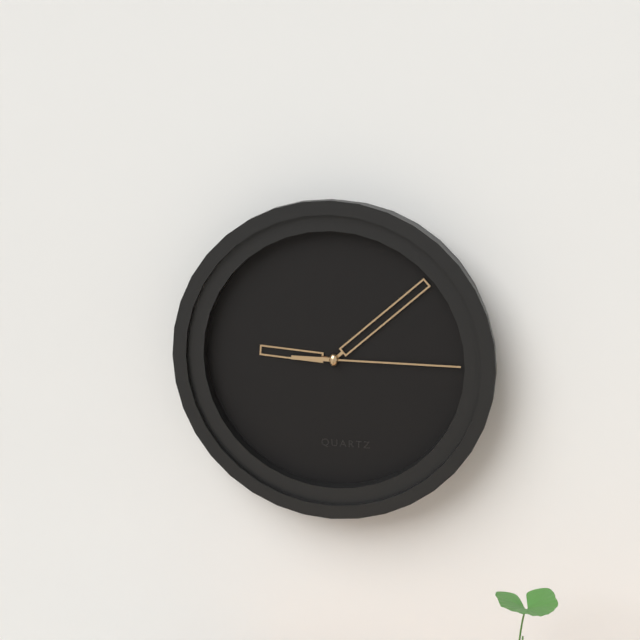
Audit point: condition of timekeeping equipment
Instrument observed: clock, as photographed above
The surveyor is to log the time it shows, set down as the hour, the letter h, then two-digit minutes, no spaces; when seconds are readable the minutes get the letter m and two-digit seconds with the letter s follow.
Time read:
9h08m15s
